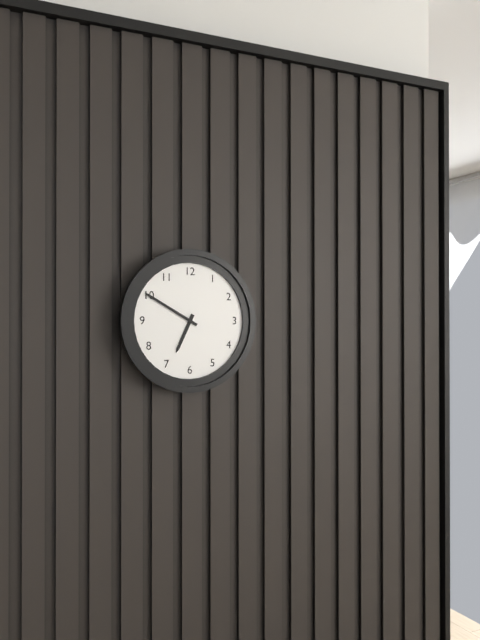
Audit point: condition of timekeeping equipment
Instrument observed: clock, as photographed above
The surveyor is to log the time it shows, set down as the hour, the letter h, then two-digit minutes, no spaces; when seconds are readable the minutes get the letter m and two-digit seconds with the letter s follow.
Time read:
6h50
